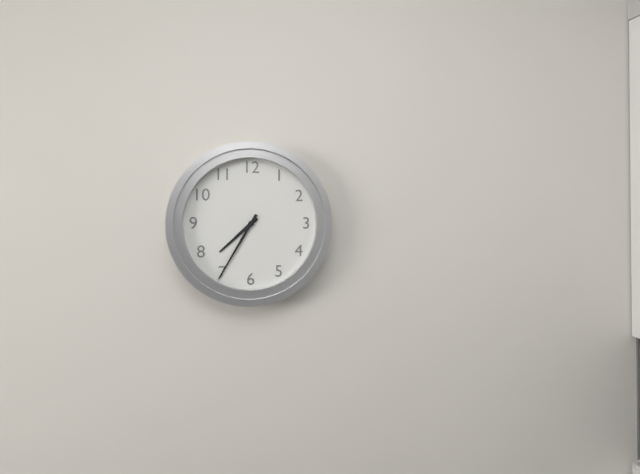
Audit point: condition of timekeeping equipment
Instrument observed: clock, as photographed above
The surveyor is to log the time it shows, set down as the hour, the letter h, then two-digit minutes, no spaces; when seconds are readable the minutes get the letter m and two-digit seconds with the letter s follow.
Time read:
7h35
